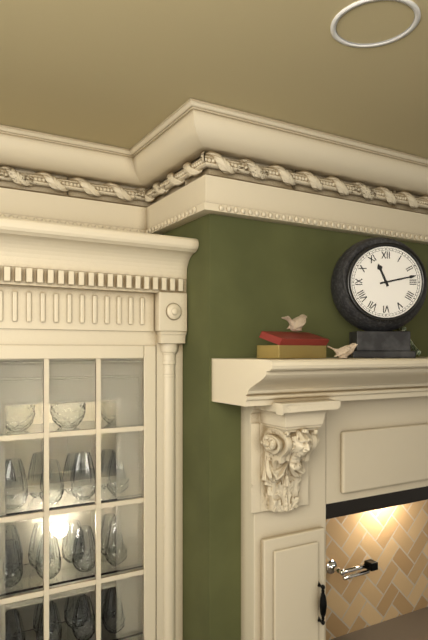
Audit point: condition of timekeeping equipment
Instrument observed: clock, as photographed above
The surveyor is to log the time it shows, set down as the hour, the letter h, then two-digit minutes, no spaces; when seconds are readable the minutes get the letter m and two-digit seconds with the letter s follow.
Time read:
11h13
